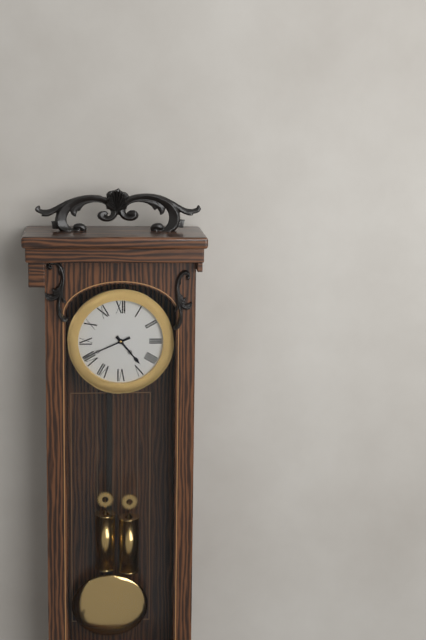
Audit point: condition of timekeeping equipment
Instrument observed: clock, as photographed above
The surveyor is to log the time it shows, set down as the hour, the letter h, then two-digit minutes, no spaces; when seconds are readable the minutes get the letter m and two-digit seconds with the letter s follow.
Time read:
4h41
